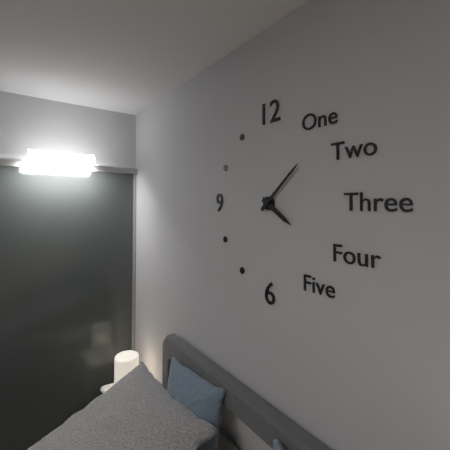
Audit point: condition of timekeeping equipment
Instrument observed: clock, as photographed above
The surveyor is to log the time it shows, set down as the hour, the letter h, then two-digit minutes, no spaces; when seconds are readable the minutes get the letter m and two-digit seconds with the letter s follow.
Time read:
4h08
